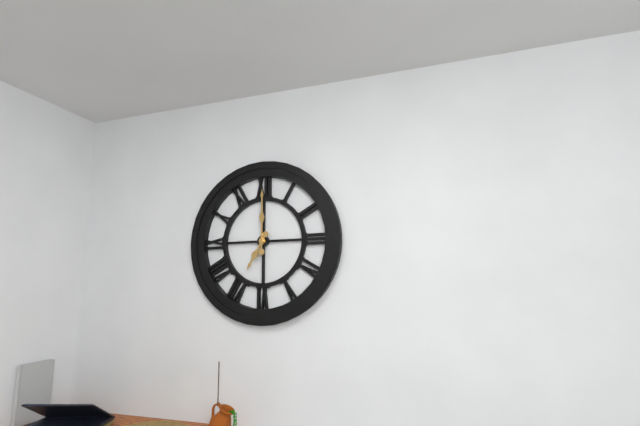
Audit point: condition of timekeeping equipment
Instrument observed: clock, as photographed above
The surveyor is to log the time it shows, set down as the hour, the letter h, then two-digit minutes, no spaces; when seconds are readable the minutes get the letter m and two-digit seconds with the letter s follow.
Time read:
7h00
